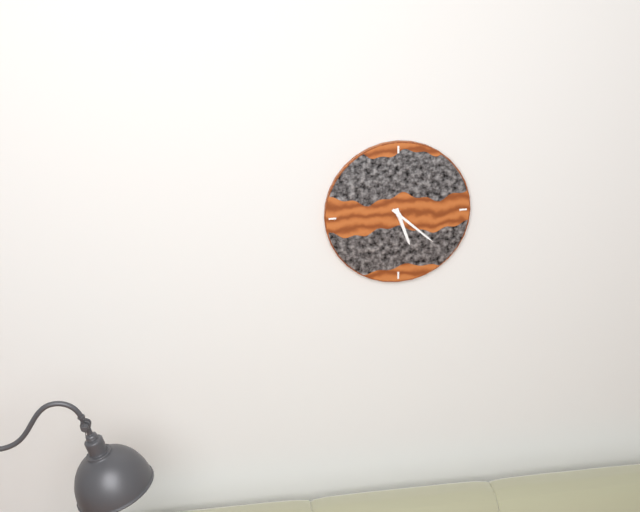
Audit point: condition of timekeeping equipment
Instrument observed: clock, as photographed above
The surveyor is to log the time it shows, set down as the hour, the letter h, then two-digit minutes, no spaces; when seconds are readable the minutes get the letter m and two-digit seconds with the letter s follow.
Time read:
5h22
